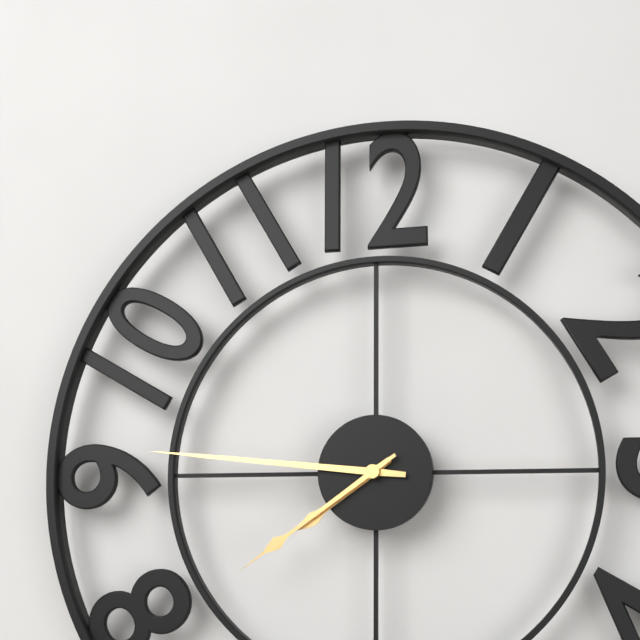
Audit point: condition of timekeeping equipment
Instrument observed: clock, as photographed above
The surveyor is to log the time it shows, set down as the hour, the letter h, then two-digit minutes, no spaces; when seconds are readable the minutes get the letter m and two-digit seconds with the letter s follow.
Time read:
7h46m39s
